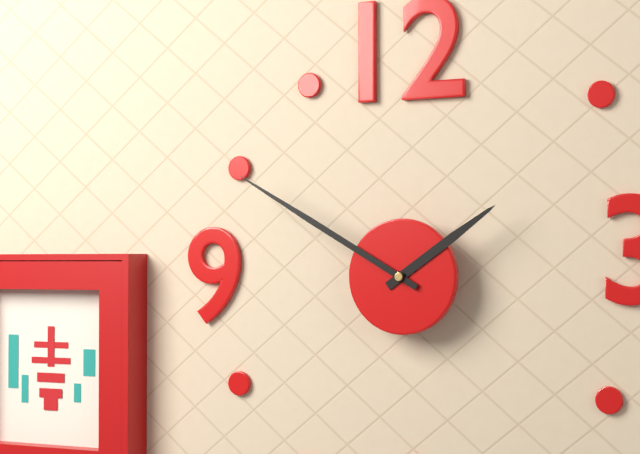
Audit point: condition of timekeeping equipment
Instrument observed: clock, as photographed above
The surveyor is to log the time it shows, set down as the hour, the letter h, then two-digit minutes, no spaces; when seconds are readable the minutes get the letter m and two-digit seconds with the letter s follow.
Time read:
1h50
